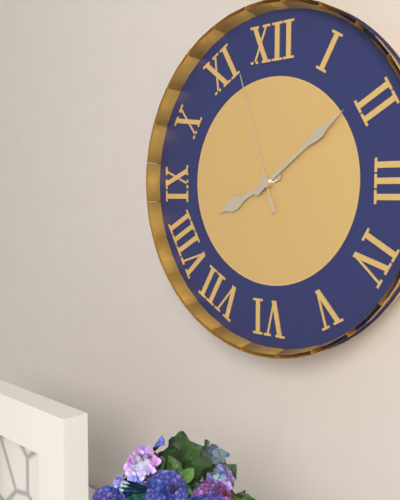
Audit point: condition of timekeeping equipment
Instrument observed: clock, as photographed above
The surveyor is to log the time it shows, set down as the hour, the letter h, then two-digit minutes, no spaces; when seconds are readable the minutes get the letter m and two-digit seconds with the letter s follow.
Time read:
8h09m57s
